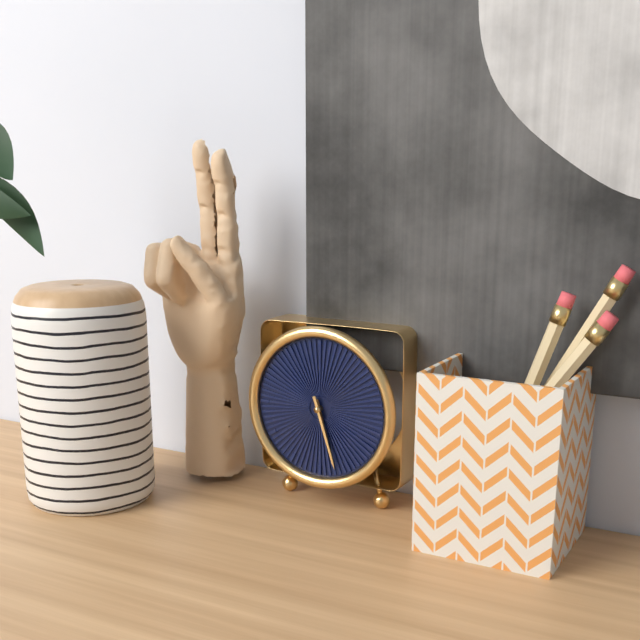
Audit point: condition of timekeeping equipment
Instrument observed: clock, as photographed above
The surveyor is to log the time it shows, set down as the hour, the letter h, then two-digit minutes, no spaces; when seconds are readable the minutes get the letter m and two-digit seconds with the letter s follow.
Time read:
5h27
